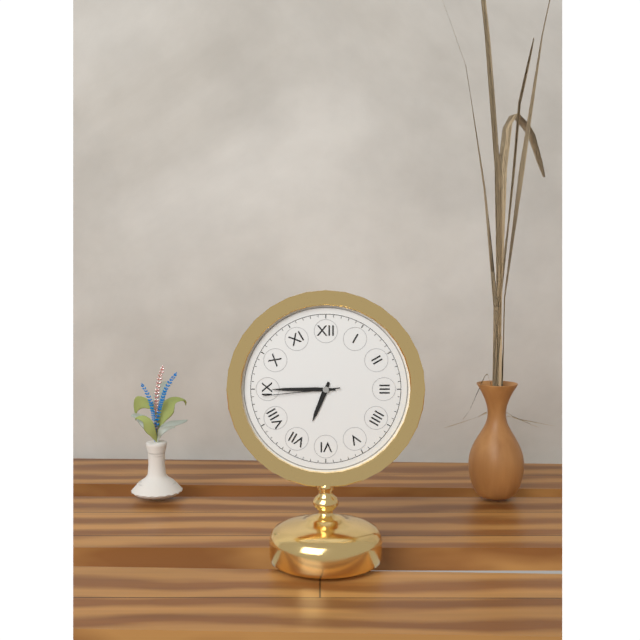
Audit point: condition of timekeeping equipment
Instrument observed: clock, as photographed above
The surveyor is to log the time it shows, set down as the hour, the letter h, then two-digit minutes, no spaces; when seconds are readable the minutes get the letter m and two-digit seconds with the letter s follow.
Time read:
6h45m44s
